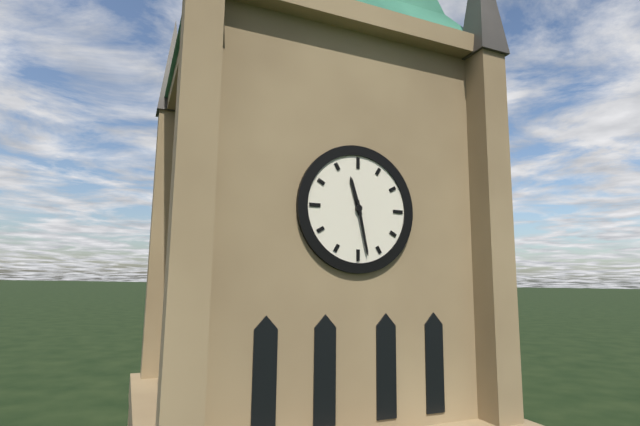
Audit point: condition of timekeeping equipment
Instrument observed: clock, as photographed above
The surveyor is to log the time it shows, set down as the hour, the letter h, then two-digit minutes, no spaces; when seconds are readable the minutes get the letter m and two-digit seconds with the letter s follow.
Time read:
11h28
